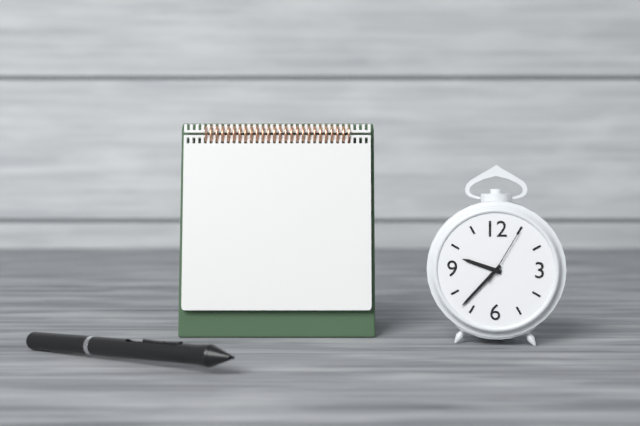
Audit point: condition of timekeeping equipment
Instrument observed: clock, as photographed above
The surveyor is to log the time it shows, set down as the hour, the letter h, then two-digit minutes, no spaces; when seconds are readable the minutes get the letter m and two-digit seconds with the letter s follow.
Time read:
9h37m05s
